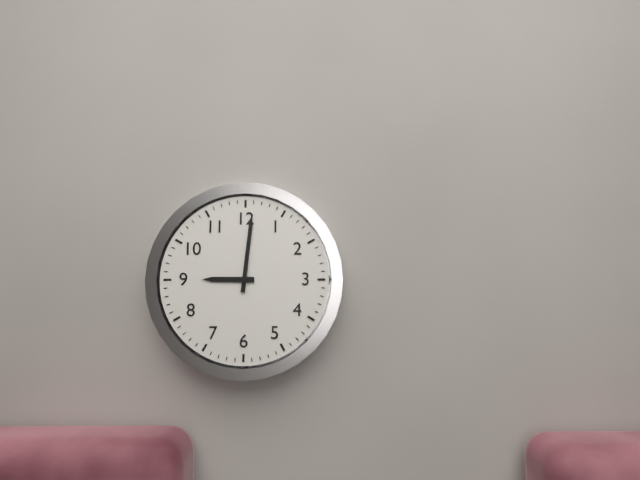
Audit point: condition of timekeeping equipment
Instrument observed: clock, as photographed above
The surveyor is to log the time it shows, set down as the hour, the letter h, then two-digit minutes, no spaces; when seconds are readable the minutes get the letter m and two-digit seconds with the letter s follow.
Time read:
9h01
